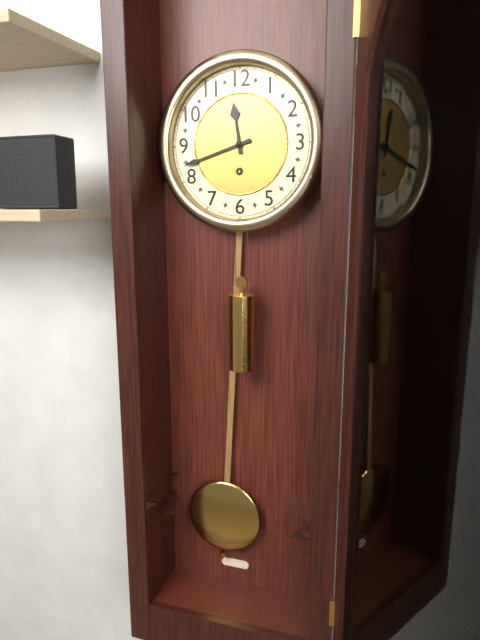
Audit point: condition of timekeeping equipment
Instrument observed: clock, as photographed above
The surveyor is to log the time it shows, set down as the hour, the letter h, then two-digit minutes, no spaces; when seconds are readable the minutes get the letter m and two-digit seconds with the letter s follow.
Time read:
11h42
